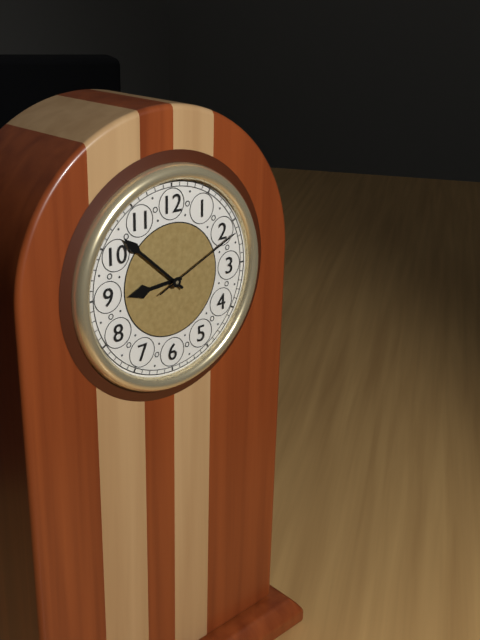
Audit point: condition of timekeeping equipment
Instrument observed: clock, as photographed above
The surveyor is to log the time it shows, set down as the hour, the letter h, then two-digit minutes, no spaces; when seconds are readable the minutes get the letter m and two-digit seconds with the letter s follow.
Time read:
8h52m11s
